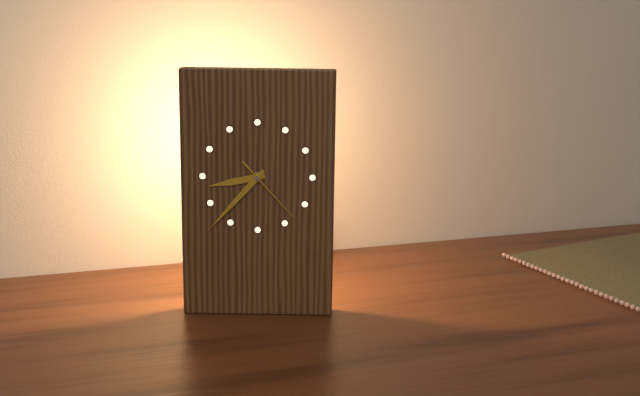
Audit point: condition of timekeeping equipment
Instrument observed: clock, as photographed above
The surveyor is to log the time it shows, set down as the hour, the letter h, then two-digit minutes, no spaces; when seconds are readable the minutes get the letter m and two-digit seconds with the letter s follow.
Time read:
8h37m23s
